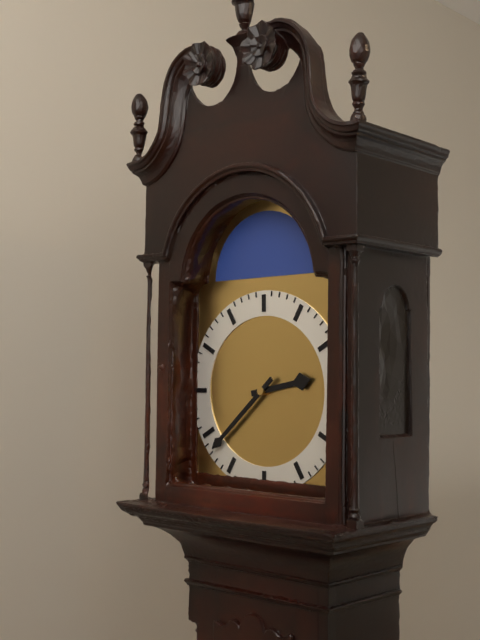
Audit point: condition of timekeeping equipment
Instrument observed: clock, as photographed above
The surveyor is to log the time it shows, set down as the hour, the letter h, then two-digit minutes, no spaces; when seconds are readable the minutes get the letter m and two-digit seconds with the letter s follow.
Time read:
2h38
